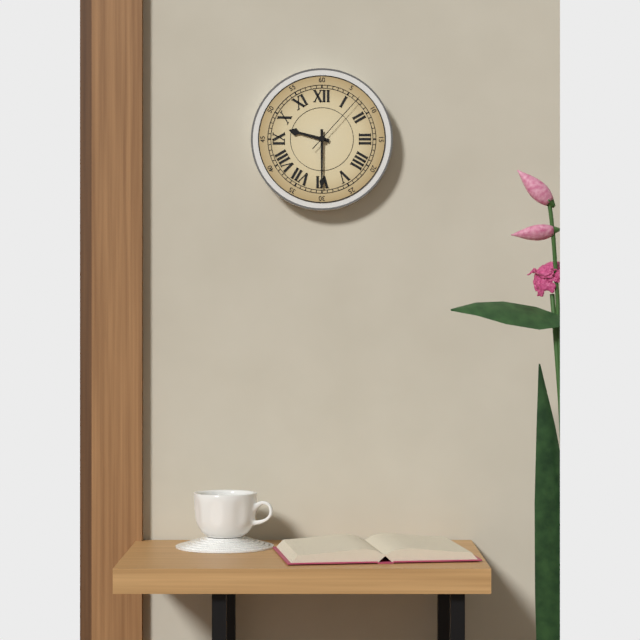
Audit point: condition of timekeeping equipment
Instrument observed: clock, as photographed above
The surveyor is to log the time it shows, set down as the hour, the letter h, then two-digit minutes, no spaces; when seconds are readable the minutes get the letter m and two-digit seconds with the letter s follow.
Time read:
9h30m07s
